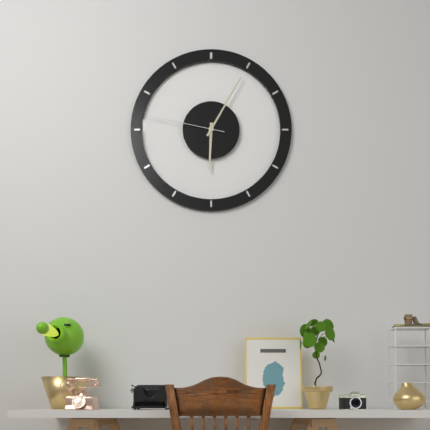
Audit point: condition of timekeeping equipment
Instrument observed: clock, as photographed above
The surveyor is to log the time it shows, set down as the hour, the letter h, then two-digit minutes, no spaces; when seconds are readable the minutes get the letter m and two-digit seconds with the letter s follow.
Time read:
6h05m47s
